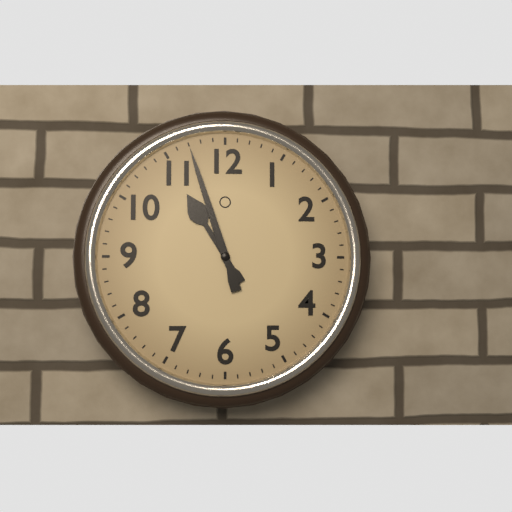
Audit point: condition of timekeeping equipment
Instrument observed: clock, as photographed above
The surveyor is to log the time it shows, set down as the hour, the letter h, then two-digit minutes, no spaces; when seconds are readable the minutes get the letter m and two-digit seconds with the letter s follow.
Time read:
10h57
